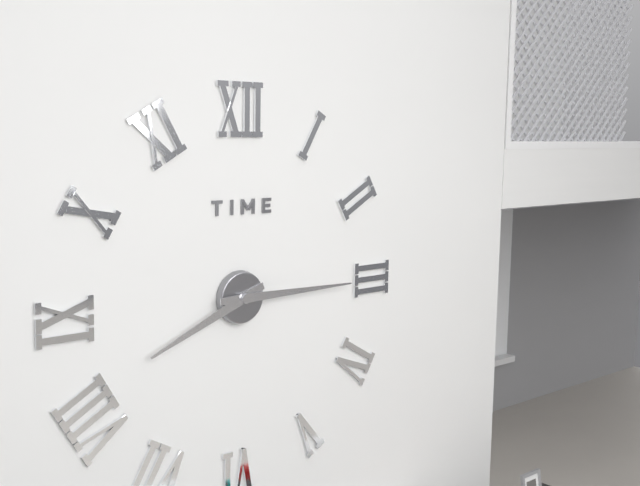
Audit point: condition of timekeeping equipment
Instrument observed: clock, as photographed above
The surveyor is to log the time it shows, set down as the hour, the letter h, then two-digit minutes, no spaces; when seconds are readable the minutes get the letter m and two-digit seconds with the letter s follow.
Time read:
8h15
